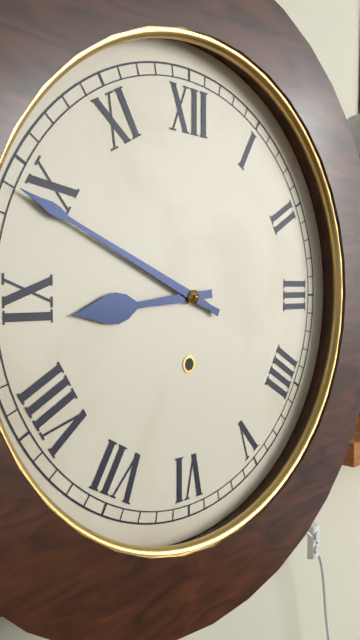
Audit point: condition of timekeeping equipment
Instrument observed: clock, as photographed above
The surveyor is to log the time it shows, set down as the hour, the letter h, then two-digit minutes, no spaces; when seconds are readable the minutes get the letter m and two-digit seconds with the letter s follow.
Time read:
8h49
